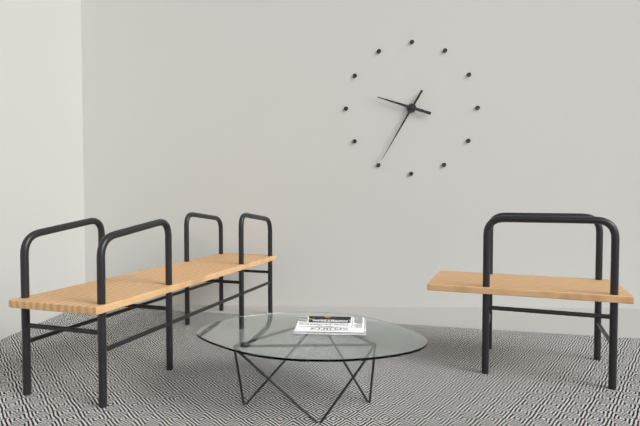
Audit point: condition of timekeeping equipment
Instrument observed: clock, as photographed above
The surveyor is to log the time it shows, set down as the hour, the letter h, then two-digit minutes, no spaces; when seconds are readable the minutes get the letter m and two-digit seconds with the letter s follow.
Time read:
9h35
